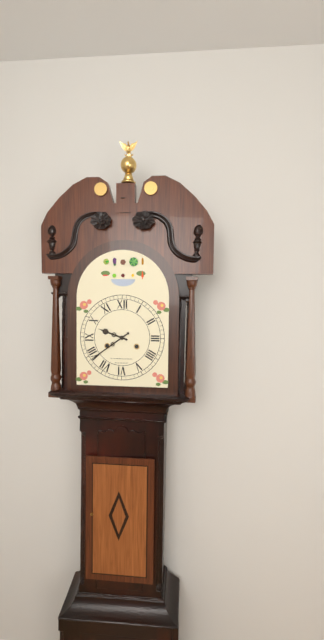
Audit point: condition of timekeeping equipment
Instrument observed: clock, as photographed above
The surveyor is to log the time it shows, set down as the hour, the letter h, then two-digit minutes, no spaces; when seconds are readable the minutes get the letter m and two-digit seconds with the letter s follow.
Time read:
9h39
